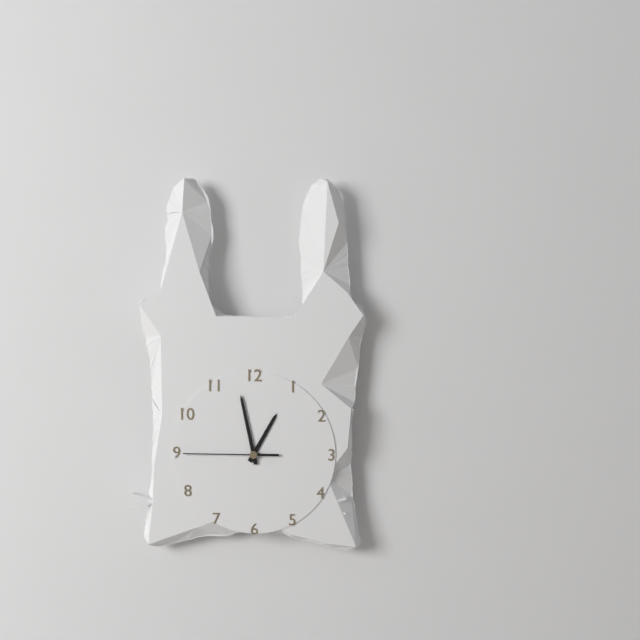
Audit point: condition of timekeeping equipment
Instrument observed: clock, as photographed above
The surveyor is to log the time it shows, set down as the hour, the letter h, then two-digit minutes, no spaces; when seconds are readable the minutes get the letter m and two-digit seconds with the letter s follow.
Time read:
12h58m45s
